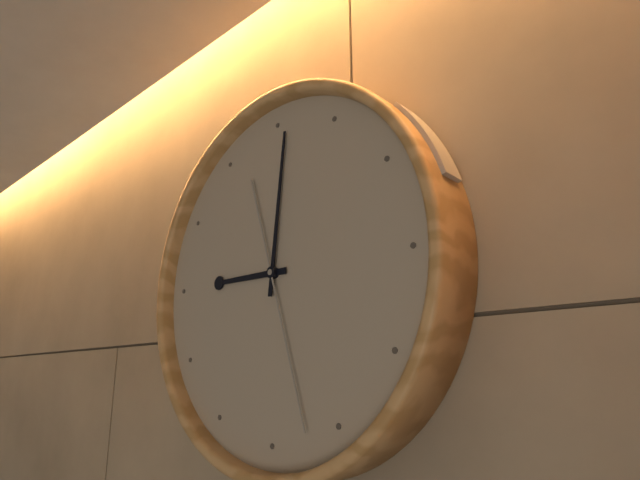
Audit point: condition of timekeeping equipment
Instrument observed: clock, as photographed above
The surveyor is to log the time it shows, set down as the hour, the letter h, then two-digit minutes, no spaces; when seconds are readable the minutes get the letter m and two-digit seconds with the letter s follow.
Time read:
9h01m27s
